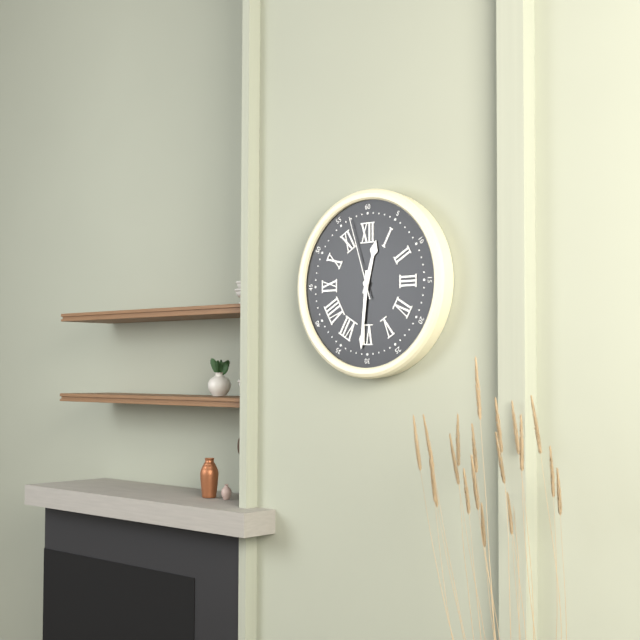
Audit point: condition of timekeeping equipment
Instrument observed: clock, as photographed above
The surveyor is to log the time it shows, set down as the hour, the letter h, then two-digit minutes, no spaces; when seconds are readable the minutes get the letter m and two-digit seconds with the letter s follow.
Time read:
12h31m57s
